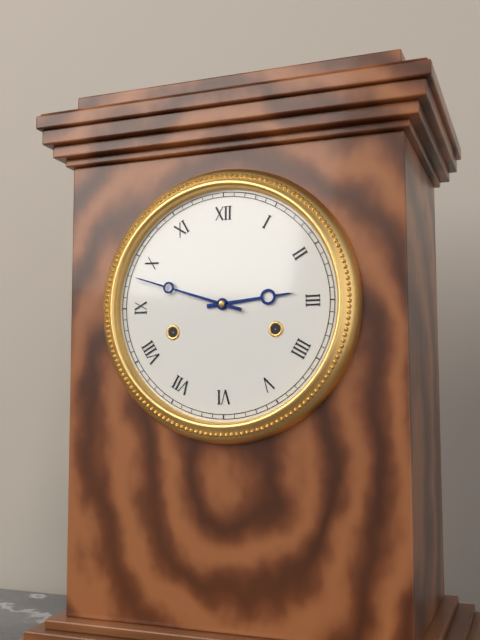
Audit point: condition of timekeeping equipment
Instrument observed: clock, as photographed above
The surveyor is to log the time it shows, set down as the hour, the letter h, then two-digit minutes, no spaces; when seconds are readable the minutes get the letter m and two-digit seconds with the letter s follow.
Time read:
2h48
